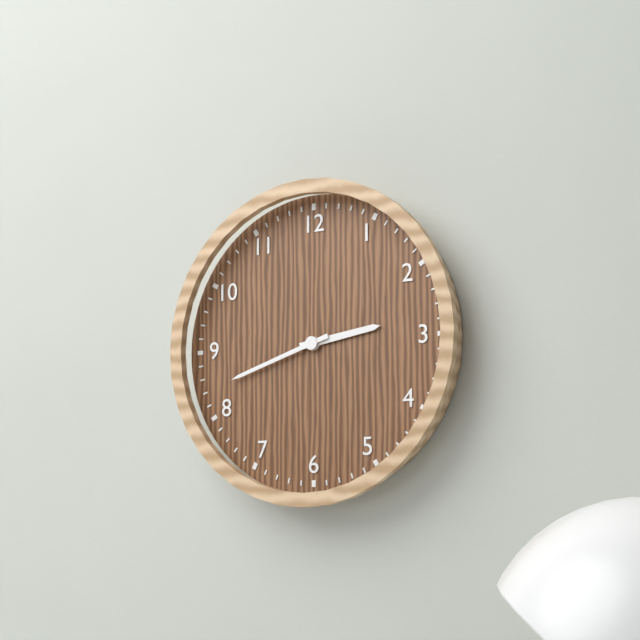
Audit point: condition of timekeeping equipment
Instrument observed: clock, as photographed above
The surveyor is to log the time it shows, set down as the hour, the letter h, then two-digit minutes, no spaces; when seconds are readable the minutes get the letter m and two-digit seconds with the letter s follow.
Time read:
2h42
